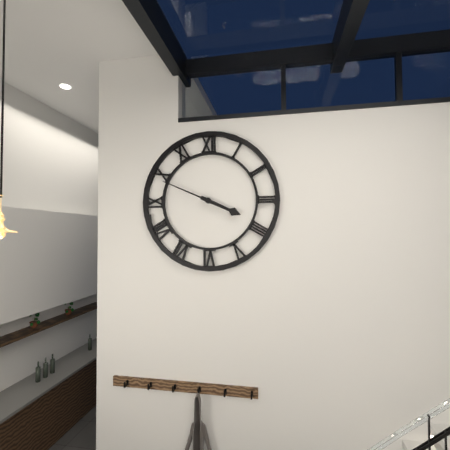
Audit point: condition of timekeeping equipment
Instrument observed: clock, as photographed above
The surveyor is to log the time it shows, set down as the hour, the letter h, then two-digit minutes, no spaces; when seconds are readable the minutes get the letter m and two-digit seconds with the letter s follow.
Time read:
3h49
